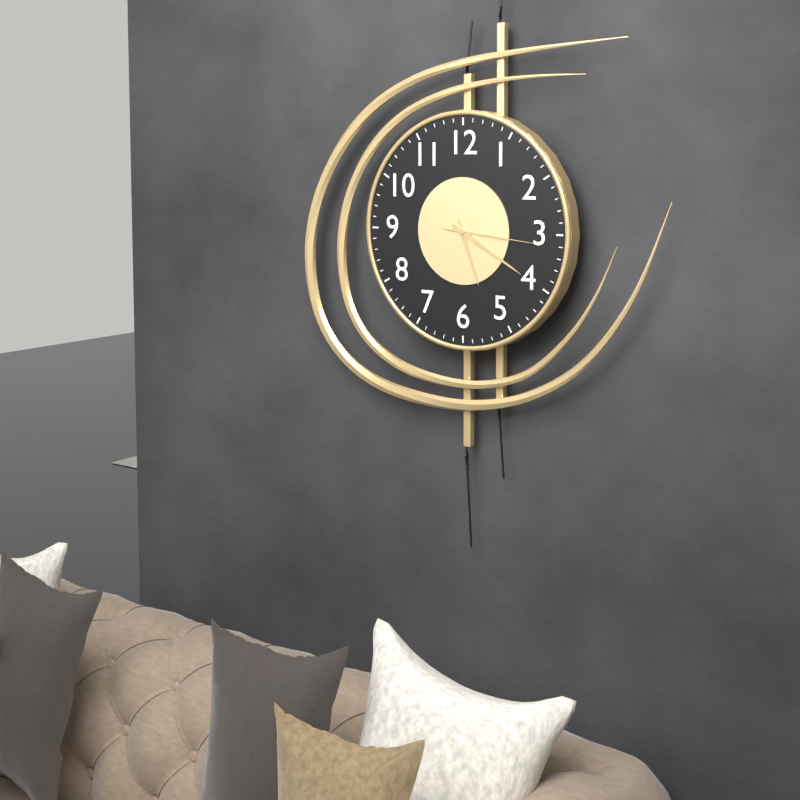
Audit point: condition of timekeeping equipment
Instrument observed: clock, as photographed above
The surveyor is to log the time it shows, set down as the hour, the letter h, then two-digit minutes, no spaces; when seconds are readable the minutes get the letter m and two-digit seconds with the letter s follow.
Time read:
5h20m16s
